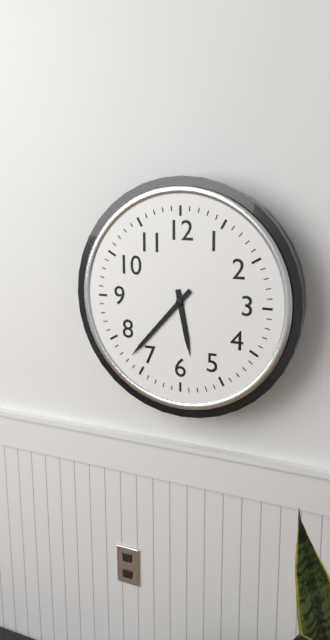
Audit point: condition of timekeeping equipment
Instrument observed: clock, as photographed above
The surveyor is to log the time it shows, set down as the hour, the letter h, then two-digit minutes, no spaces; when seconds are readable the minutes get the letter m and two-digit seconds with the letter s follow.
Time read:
5h37
